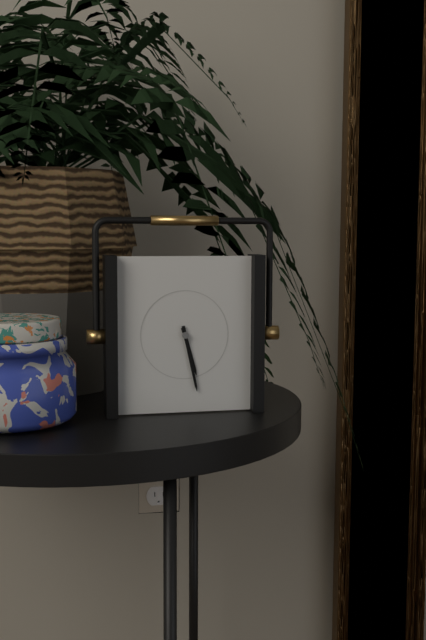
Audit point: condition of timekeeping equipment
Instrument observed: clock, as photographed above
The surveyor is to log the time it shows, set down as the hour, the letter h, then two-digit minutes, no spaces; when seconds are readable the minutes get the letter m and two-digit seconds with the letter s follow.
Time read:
5h28
